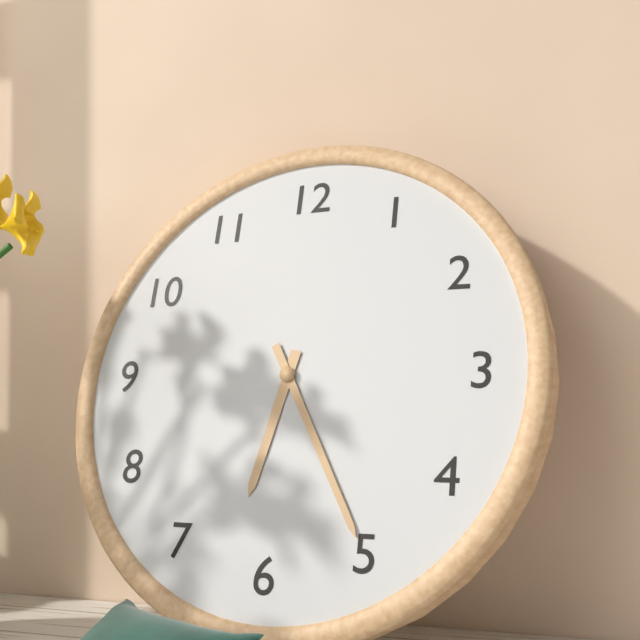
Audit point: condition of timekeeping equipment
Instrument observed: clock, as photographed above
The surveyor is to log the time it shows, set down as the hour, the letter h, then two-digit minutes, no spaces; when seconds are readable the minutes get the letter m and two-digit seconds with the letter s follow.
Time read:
6h25
